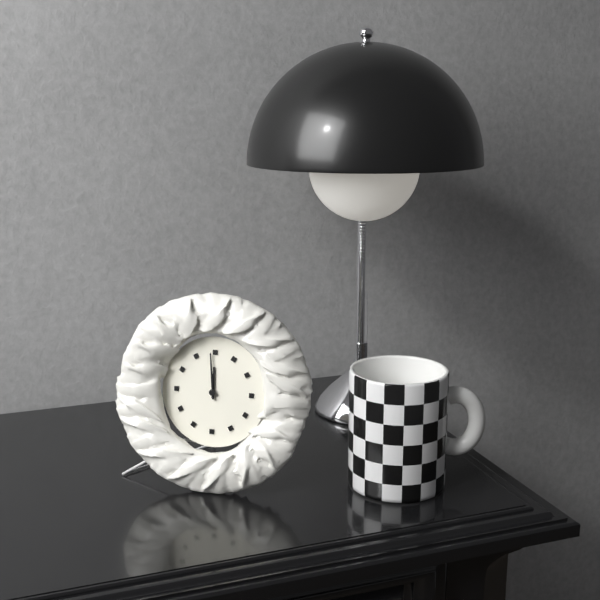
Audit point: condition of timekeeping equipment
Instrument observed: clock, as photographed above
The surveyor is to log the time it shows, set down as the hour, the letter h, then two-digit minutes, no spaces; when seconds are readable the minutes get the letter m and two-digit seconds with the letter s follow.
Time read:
11h59
